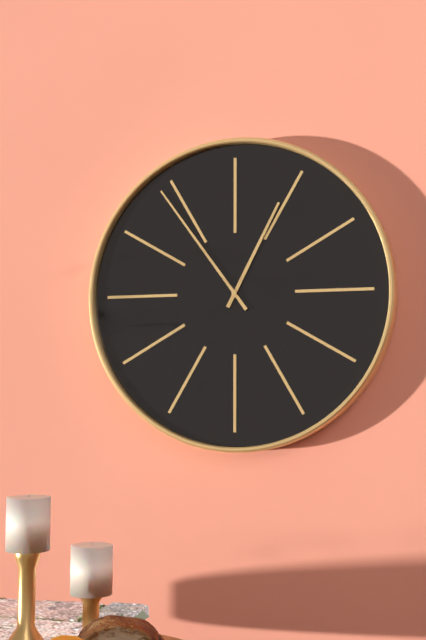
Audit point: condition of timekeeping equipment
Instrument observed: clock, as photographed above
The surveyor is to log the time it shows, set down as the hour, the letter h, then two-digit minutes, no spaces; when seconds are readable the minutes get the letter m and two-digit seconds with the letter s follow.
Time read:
12h54
